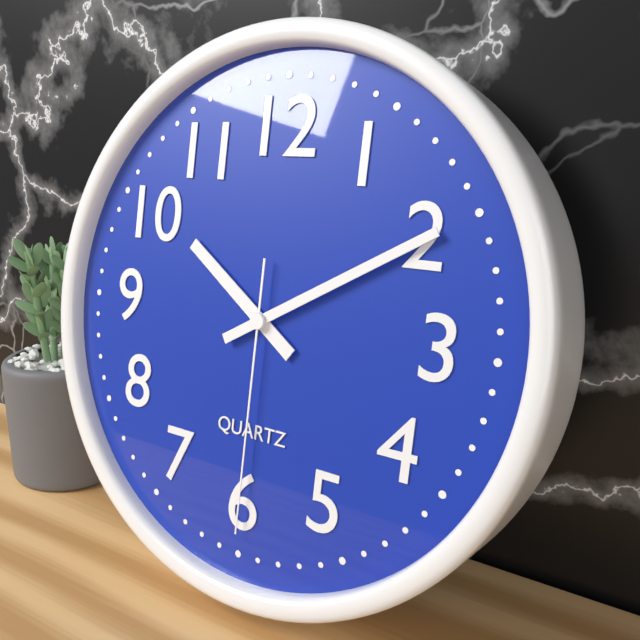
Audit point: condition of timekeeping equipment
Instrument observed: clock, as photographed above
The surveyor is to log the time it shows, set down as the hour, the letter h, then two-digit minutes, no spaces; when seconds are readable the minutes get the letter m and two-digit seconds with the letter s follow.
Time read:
10h10m30s
